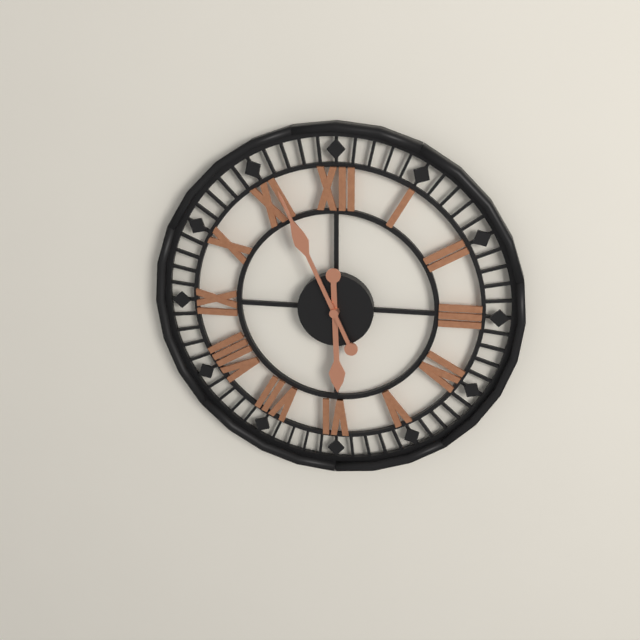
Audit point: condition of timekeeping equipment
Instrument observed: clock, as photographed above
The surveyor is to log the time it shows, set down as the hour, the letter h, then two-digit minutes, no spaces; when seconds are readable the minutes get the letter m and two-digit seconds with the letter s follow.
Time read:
5h56
